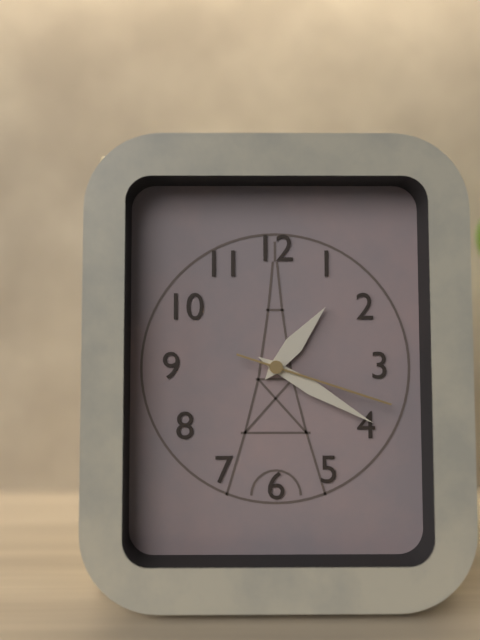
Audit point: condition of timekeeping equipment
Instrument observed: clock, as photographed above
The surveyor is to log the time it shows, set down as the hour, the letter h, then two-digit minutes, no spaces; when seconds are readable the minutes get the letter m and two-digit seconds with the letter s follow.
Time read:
1h20m18s
